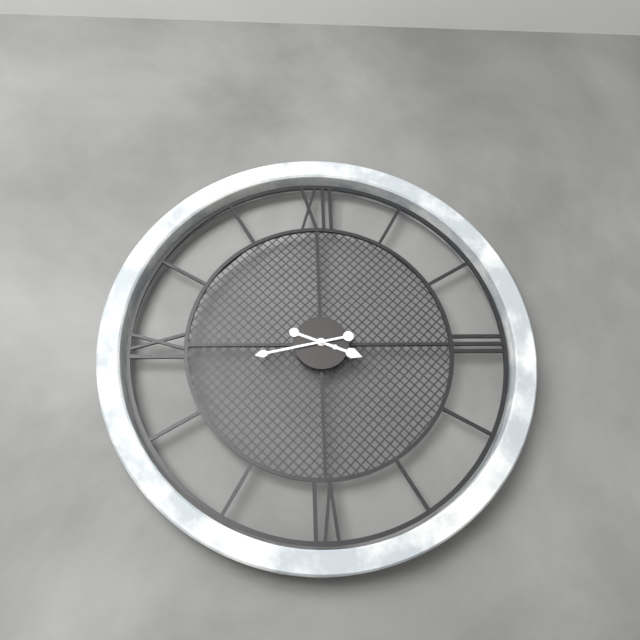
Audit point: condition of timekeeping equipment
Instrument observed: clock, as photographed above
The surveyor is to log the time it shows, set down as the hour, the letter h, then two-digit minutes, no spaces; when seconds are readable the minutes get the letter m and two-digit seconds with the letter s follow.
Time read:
3h43
